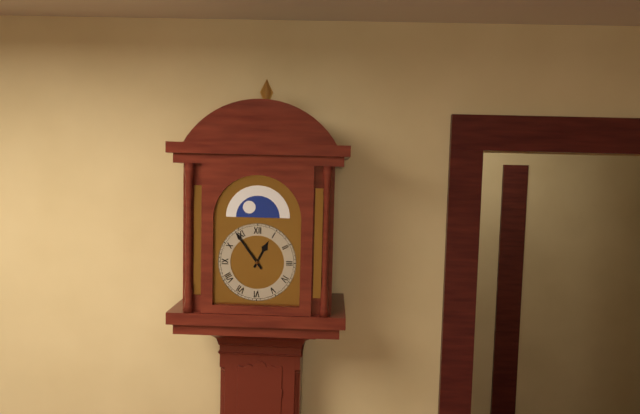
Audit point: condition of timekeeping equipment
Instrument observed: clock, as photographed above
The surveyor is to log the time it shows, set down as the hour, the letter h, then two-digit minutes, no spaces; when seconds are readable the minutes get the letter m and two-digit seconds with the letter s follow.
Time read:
12h54
